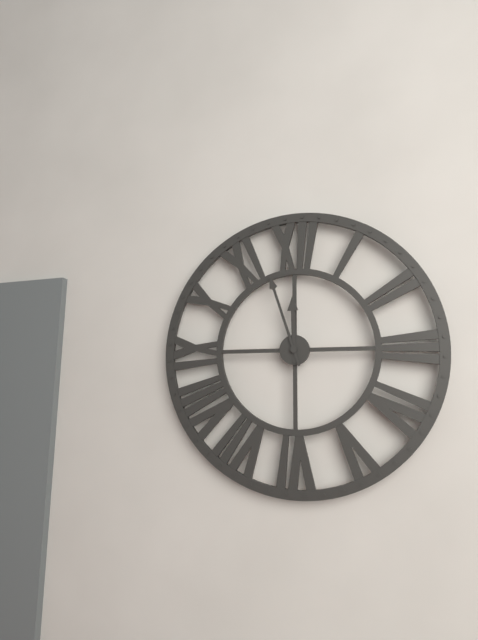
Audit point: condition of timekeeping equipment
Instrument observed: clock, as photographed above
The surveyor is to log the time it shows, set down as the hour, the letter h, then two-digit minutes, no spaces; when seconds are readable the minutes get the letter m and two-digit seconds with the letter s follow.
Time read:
11h57
